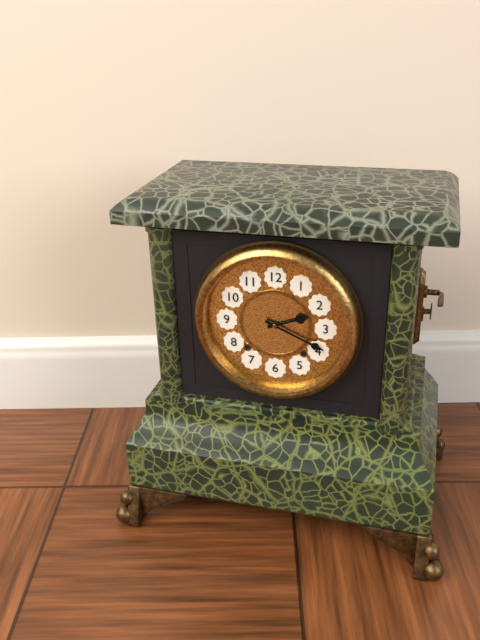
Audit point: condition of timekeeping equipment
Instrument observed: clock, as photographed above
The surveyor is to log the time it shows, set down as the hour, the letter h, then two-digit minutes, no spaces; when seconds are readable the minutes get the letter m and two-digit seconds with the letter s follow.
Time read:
2h19
